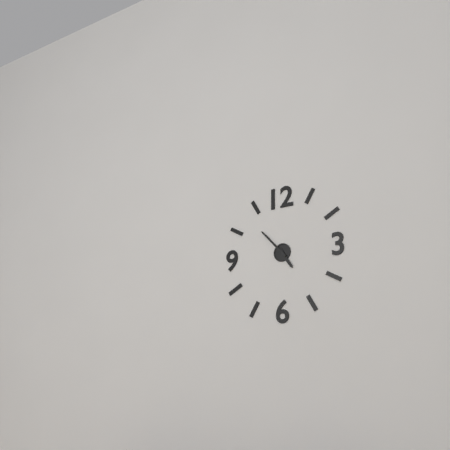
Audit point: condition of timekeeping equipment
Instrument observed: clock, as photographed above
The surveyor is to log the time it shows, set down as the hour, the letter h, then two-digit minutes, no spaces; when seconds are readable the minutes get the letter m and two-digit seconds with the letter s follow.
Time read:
4h53
